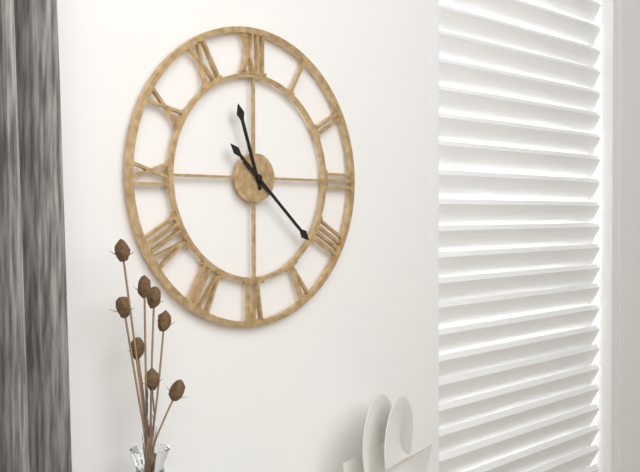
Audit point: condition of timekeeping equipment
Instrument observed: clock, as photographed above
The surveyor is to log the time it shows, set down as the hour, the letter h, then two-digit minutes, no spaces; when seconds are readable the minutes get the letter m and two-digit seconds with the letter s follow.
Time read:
11h22
